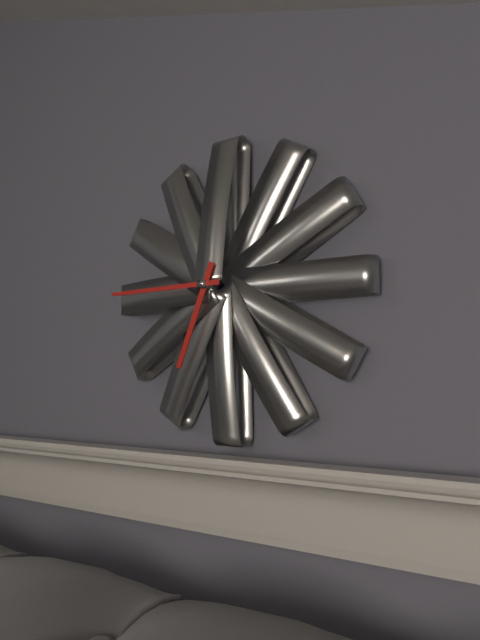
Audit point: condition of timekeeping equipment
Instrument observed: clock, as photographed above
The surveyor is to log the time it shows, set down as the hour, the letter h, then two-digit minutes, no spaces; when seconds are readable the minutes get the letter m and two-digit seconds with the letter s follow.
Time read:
6h45
